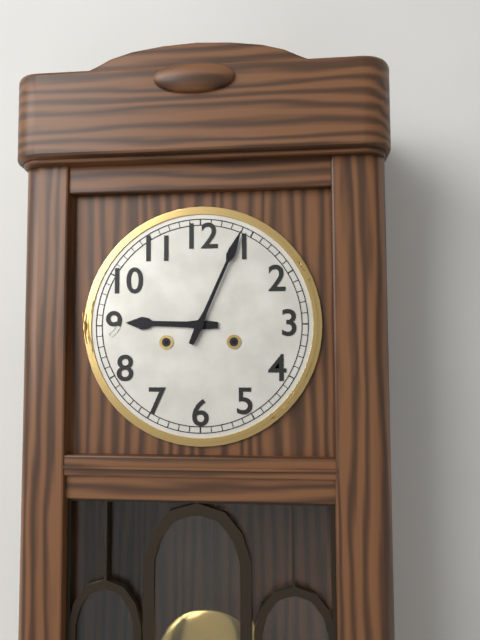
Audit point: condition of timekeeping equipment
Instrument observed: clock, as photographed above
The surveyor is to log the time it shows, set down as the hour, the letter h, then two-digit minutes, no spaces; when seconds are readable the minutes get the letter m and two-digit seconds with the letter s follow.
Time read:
9h04
